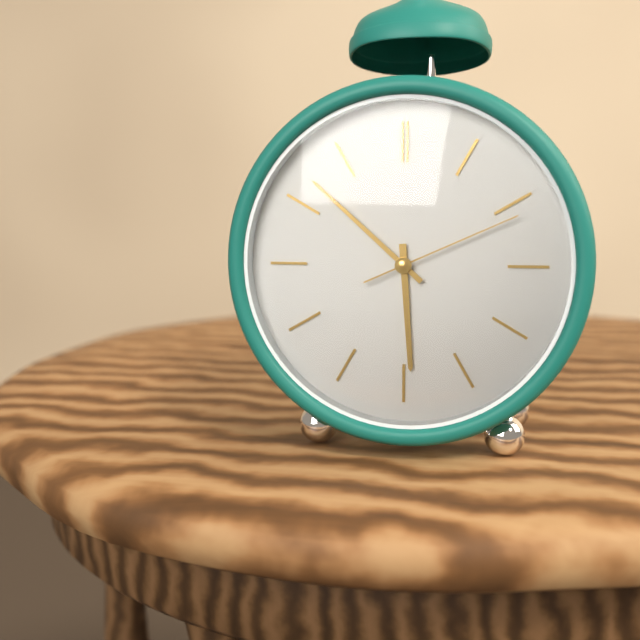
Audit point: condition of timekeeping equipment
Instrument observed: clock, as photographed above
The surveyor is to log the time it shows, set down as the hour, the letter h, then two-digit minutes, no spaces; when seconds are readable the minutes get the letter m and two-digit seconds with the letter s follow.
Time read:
5h52m11s
